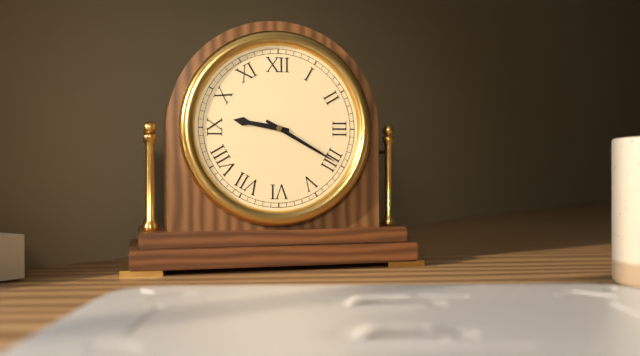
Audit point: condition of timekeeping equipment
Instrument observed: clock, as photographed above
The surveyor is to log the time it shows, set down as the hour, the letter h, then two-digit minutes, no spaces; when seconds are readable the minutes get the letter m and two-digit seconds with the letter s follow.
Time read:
9h20
